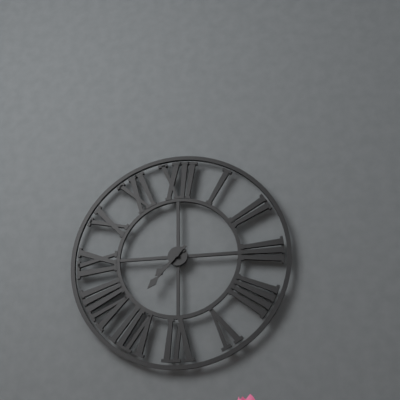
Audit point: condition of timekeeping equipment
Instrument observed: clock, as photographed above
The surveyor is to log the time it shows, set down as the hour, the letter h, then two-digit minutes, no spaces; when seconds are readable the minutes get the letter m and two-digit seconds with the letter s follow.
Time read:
7h37
